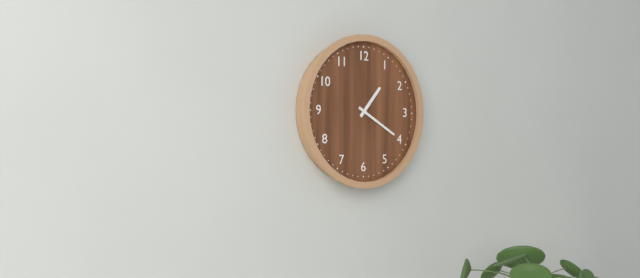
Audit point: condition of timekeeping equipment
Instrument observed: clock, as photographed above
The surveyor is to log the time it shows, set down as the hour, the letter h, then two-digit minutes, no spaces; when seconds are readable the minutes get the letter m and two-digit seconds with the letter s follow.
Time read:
1h20
